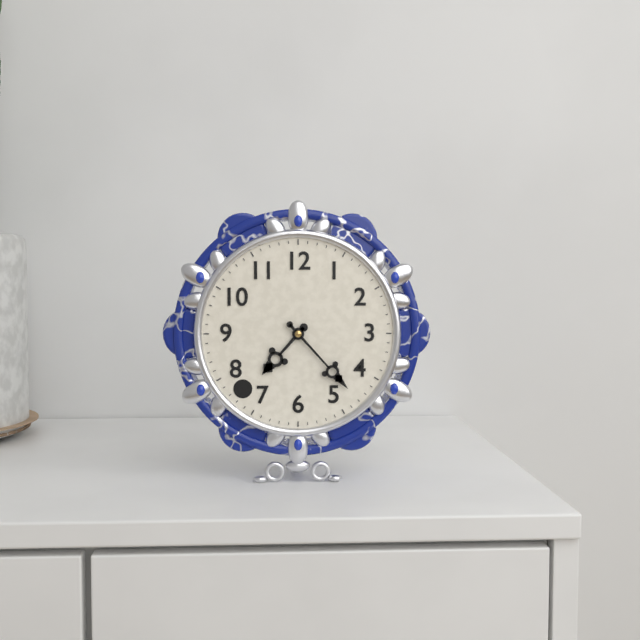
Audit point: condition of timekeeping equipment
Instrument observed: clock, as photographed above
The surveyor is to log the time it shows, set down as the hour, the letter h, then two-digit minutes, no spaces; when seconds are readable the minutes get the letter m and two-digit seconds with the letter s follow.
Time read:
7h23
